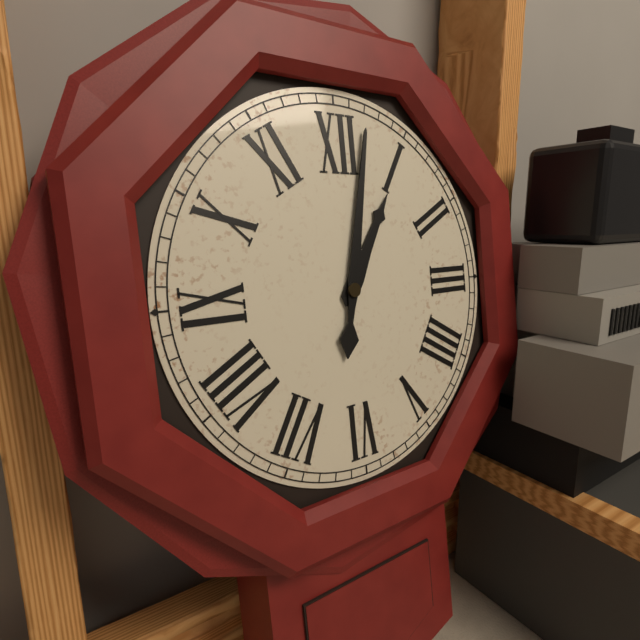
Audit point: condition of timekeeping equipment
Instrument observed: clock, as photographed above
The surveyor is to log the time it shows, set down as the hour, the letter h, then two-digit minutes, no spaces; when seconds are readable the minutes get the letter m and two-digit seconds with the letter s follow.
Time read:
1h02
